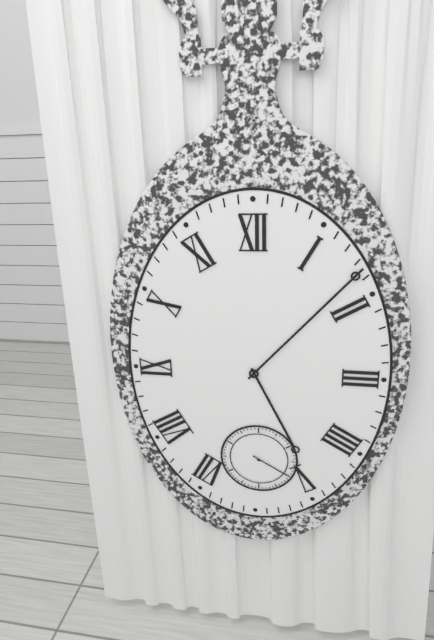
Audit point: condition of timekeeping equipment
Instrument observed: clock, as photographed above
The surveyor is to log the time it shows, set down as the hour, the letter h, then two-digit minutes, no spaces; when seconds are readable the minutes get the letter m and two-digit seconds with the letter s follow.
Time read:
5h07
